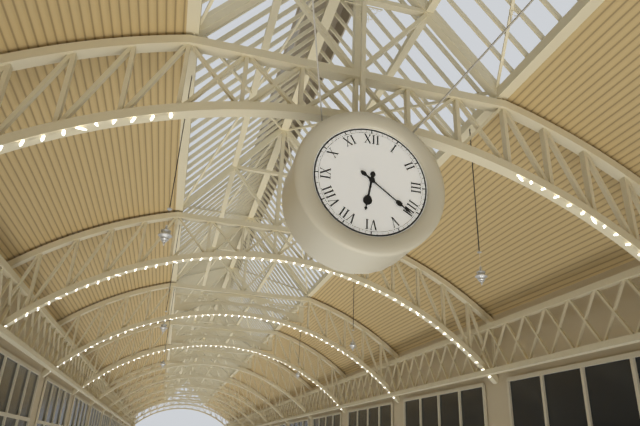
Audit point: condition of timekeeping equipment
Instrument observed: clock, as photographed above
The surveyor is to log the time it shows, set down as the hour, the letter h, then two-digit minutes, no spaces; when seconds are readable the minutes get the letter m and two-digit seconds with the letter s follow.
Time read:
6h21
